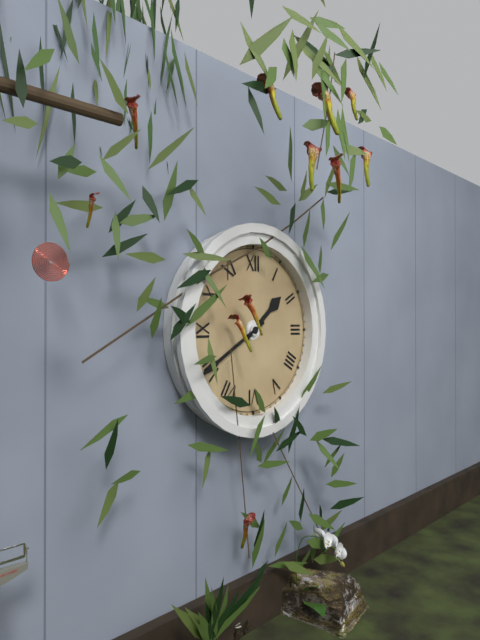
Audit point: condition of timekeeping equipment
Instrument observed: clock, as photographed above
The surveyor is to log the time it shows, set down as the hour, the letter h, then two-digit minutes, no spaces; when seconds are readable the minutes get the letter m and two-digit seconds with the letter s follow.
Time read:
1h40
